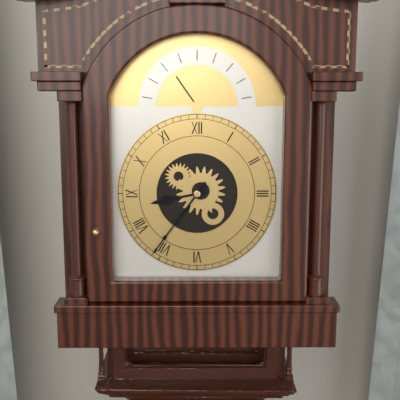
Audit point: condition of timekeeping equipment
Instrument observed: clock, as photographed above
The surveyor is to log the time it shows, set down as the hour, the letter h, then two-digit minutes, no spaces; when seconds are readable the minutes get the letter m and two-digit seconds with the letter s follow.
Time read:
8h36
